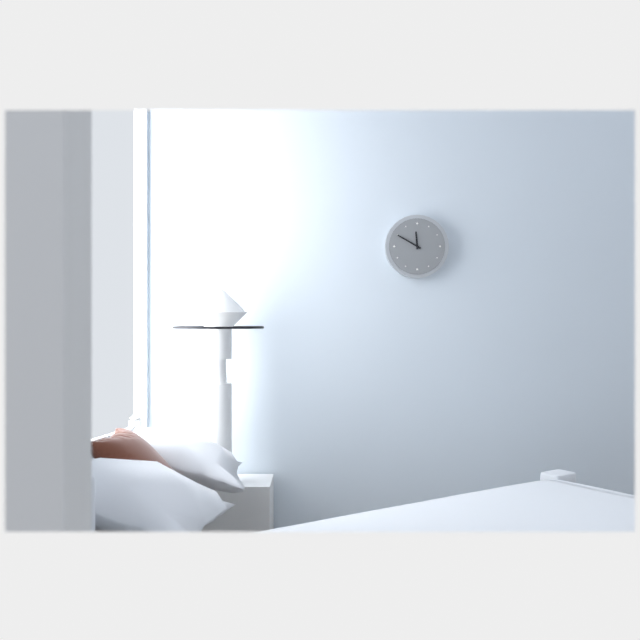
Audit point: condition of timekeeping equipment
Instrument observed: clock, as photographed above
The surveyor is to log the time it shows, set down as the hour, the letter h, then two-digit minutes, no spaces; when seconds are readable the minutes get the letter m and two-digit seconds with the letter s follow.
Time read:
11h50
